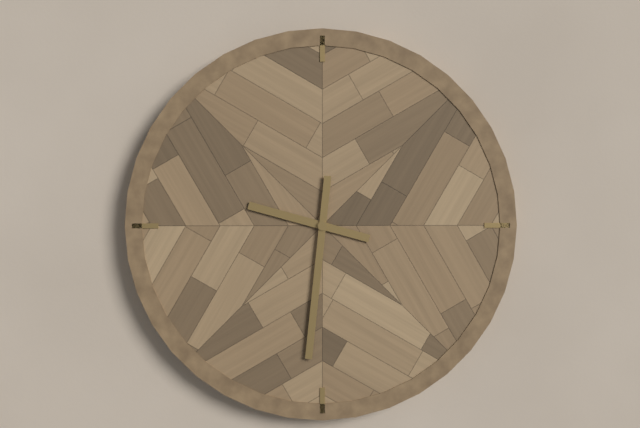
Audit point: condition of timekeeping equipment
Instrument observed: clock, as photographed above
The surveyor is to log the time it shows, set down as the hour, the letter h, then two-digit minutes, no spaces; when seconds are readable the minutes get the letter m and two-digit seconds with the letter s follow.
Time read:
9h31
